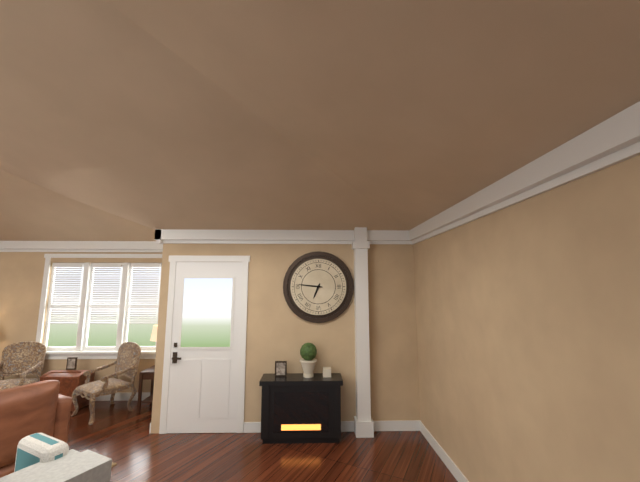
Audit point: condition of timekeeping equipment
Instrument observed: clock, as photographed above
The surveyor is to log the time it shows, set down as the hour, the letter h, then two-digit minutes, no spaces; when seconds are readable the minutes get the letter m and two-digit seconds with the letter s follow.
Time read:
6h46
